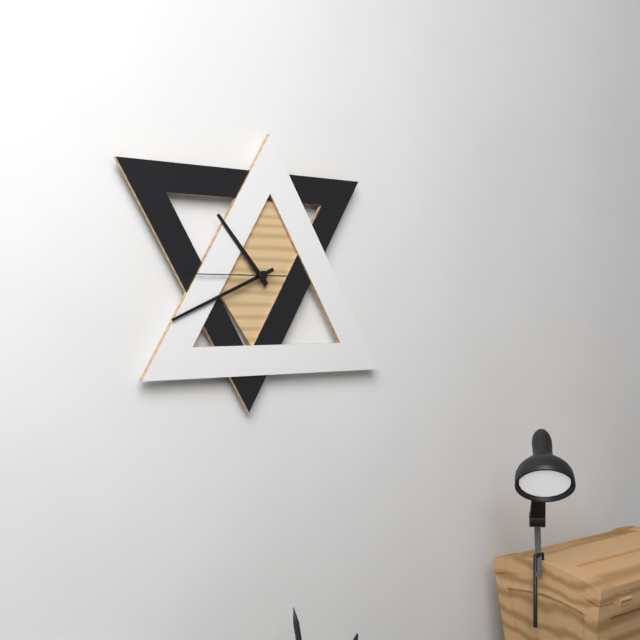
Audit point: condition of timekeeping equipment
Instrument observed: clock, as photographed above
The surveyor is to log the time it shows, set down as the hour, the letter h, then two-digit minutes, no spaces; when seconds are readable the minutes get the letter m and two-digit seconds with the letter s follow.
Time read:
10h41m45s
